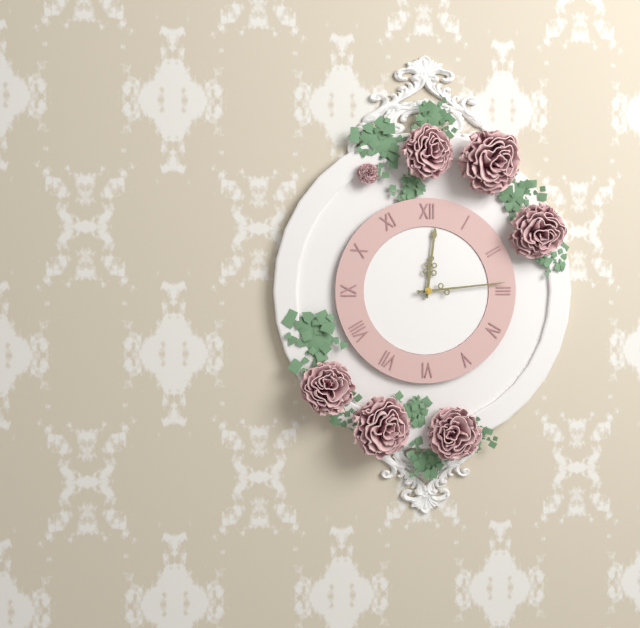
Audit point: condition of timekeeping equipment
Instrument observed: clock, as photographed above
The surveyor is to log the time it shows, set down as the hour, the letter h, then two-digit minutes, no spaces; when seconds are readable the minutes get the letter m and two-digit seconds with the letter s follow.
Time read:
12h14
